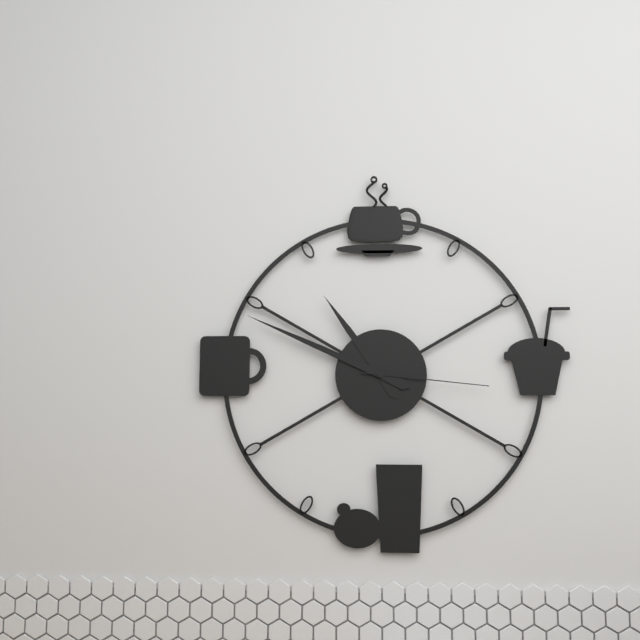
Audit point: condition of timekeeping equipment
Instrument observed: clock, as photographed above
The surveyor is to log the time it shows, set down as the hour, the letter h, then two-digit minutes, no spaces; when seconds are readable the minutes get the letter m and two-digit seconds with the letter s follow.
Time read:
10h49m16s
